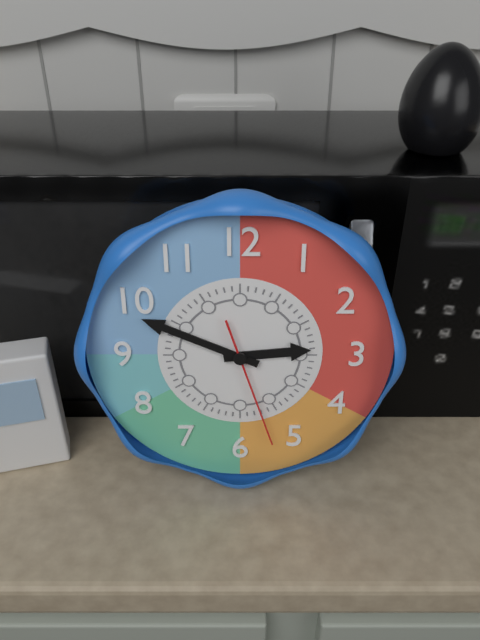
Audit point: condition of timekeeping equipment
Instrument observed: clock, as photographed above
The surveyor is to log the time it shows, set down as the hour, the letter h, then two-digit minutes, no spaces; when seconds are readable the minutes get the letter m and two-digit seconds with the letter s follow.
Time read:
2h49m27s
